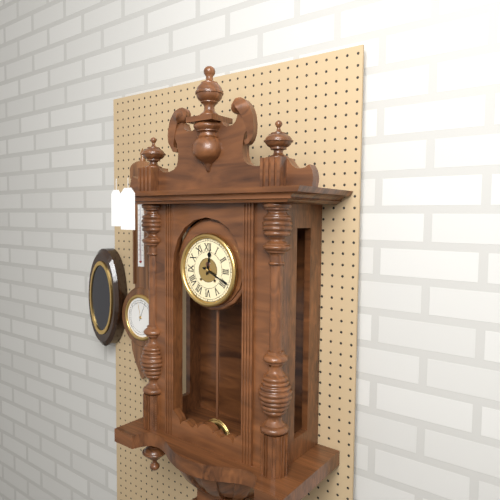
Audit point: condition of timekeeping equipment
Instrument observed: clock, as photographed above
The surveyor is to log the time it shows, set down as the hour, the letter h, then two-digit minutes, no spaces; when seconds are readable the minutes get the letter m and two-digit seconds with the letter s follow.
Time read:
12h19
